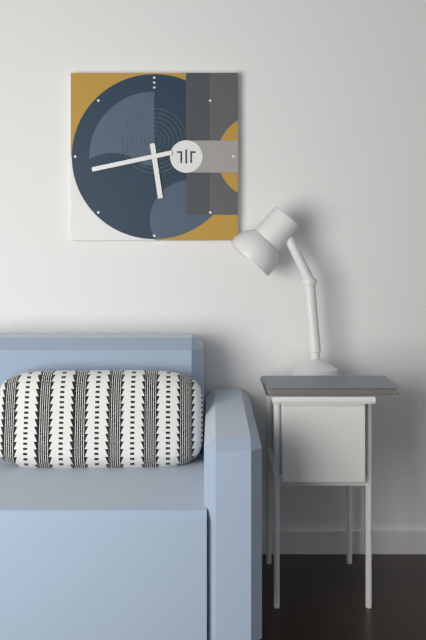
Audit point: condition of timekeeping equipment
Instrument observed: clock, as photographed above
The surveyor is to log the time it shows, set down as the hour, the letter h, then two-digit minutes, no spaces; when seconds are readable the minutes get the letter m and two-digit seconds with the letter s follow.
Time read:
5h43
